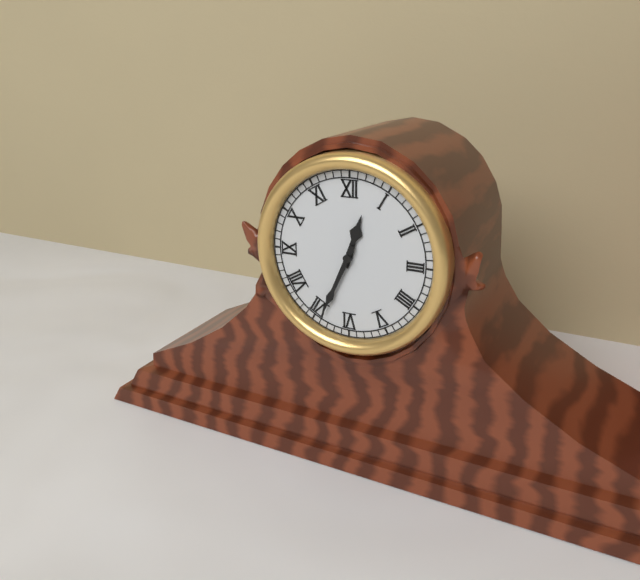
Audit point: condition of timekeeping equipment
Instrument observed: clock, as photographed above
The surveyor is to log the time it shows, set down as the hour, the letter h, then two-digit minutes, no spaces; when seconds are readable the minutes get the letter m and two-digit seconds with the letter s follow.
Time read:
12h34
